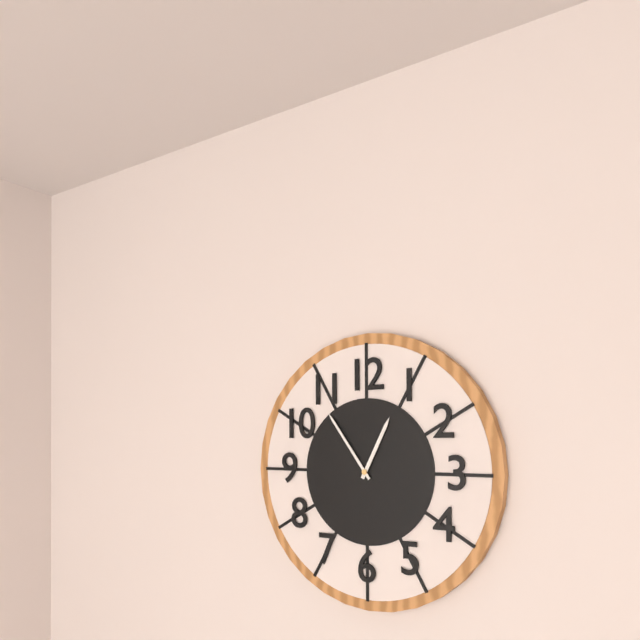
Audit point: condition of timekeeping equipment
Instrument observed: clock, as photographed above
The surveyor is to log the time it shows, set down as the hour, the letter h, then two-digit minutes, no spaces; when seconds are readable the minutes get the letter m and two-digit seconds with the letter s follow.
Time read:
12h54
